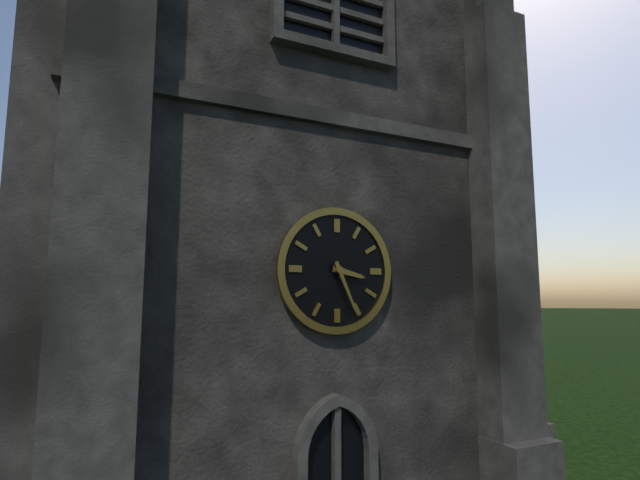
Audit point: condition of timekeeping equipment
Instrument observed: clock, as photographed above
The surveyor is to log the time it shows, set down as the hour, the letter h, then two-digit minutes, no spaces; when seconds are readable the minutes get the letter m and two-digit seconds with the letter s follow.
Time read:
3h26
